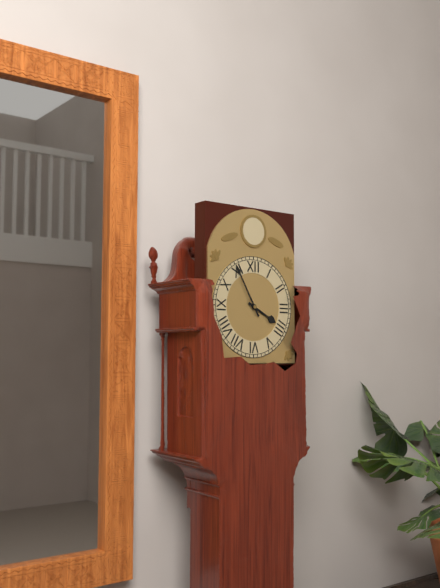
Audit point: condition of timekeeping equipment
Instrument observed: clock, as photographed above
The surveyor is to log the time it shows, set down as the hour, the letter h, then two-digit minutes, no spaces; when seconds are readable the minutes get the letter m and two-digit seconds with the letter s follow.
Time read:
3h55
